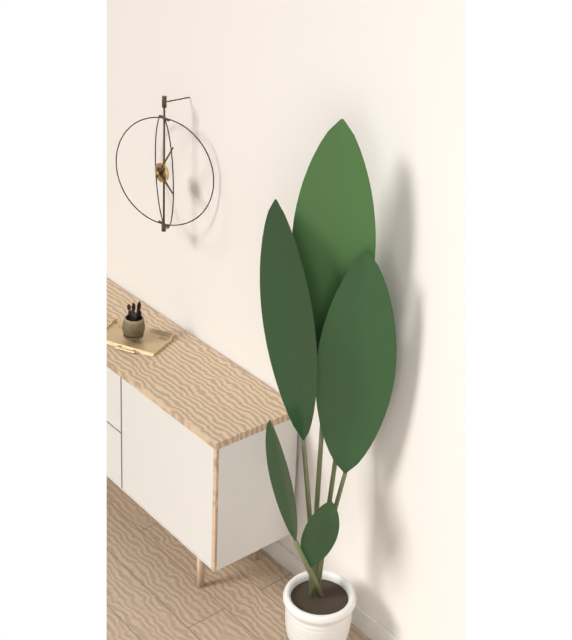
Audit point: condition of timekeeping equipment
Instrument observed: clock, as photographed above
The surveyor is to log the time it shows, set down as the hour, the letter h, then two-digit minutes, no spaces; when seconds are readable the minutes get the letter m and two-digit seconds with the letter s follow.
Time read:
4h06
